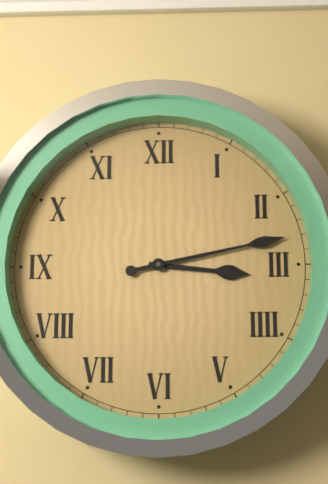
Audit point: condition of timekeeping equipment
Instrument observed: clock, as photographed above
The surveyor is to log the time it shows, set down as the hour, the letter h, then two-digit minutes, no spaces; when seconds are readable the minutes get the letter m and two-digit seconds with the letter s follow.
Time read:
3h13
